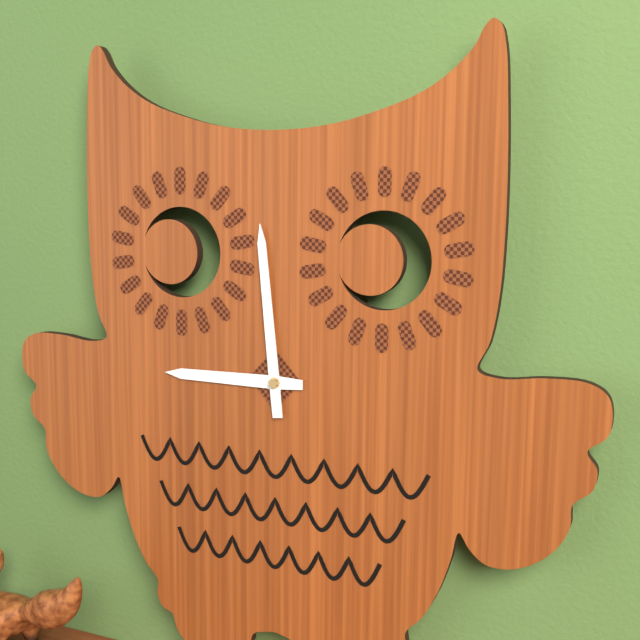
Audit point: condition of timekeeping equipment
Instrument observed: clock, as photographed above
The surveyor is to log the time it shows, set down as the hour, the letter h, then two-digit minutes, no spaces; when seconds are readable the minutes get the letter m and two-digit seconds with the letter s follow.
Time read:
8h59
